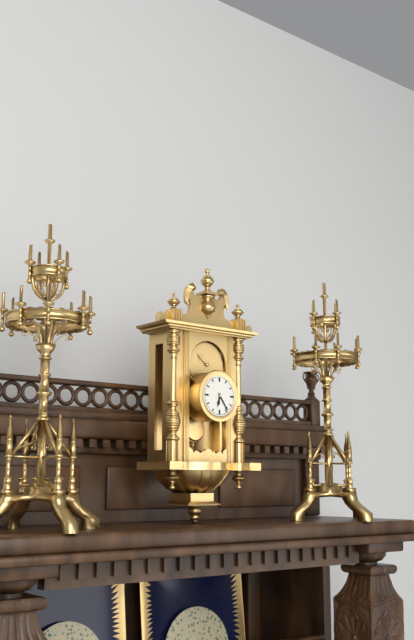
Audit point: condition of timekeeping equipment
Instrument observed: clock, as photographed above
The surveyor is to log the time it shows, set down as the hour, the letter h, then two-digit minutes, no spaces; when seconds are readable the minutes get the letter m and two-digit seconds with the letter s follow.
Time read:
6h24
